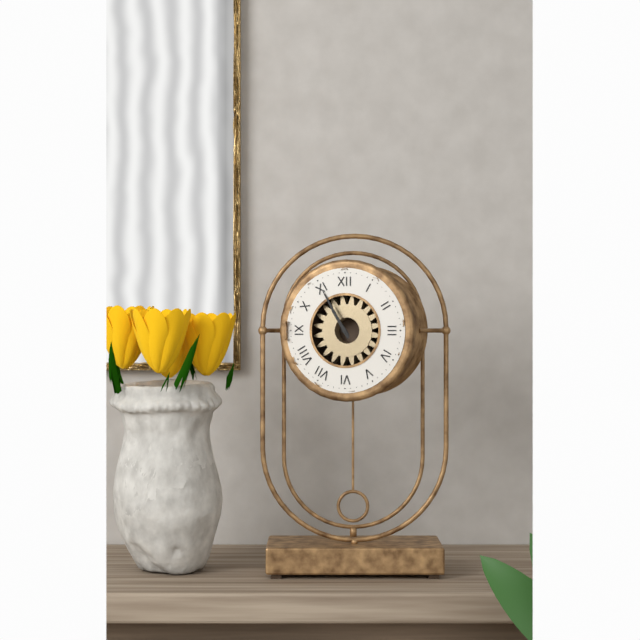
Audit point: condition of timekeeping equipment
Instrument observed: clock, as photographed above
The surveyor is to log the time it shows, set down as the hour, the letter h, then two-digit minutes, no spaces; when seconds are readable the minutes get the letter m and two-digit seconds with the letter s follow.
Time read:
10h55
